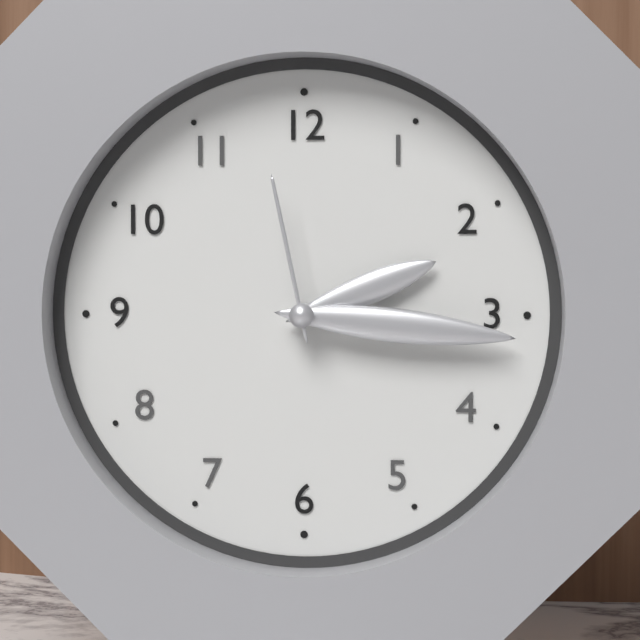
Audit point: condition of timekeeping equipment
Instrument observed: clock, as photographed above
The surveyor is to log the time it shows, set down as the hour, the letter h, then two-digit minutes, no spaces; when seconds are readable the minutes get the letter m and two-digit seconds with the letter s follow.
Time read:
2h16m58s
